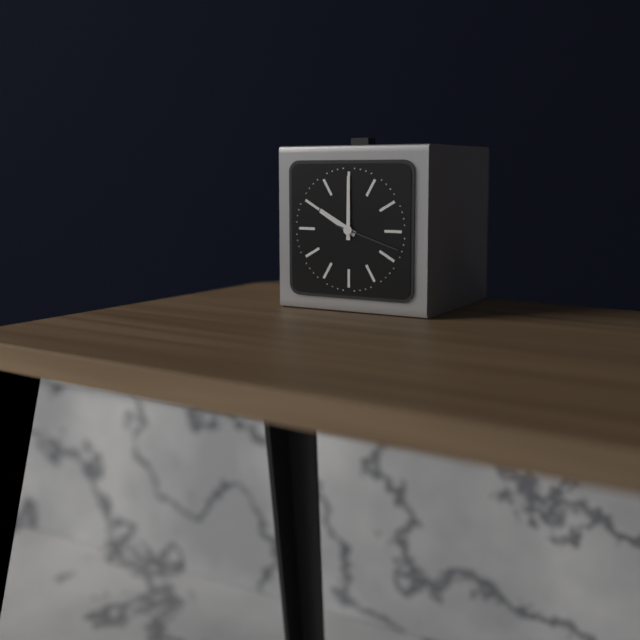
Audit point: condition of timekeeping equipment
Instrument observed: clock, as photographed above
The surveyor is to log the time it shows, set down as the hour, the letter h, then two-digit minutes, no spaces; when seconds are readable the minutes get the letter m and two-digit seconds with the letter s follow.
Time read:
10h00m18s
